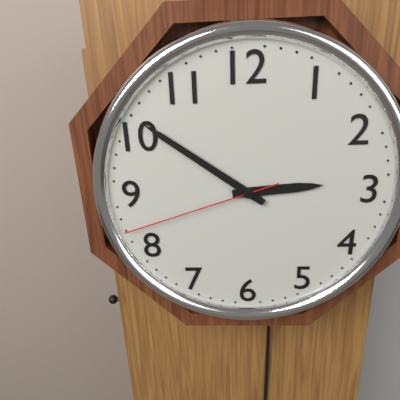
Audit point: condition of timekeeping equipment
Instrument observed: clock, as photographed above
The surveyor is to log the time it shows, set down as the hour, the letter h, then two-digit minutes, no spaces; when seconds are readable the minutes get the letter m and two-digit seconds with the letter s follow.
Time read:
2h51m42s
